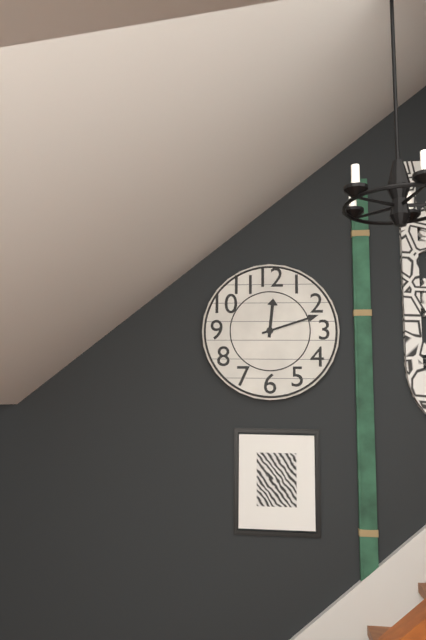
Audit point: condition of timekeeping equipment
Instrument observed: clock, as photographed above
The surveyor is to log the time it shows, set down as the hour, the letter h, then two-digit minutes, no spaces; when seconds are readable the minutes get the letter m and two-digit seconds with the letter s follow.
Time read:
12h12
